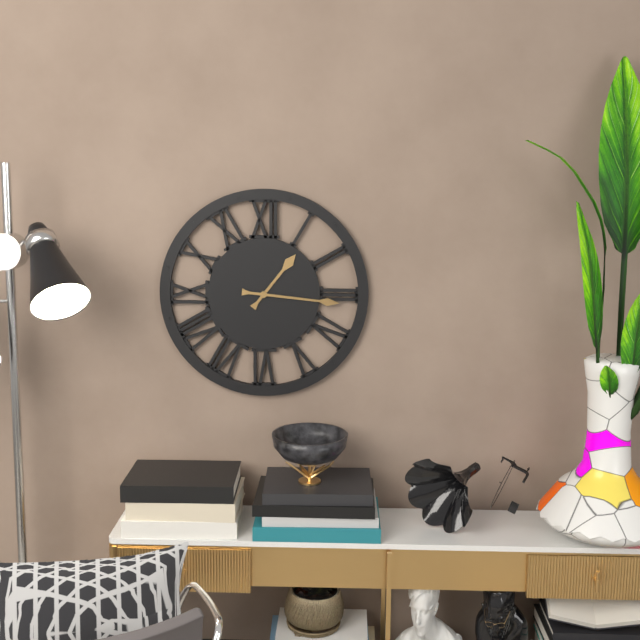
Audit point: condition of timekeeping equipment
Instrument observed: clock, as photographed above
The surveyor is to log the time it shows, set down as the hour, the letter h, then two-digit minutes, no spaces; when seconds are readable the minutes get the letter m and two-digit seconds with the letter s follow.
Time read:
1h16
